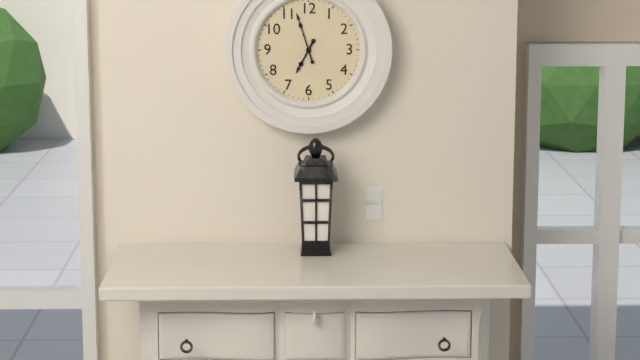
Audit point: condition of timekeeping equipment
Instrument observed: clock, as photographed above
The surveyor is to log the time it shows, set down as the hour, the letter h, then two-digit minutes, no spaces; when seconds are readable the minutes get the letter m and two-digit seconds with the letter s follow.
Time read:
6h57
